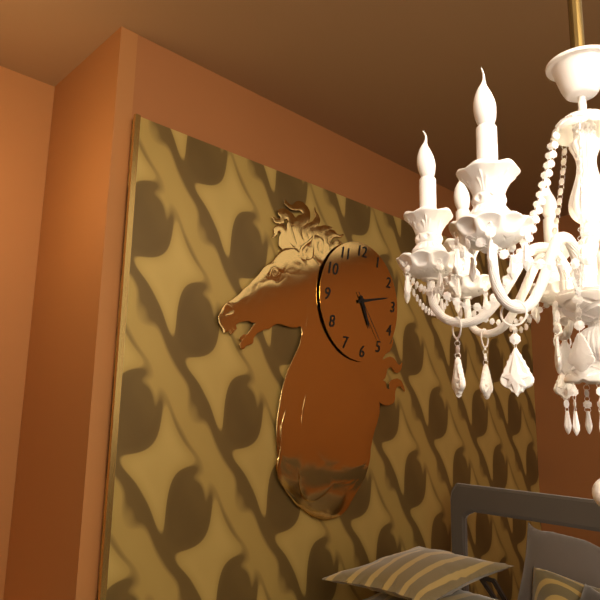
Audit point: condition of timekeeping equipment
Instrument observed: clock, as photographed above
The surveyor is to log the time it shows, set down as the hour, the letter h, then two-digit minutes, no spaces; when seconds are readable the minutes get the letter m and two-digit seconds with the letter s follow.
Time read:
5h13m24s
